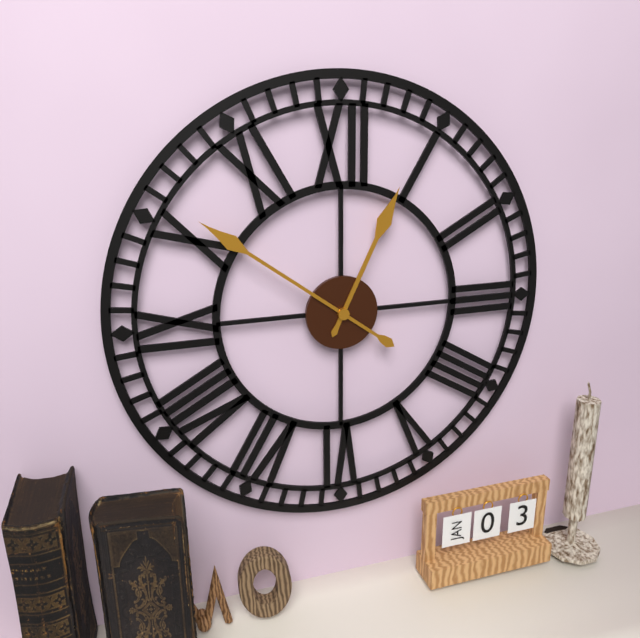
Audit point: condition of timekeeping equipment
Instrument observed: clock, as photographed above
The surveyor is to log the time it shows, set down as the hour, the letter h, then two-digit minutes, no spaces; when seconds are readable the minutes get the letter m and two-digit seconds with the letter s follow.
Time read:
12h51
